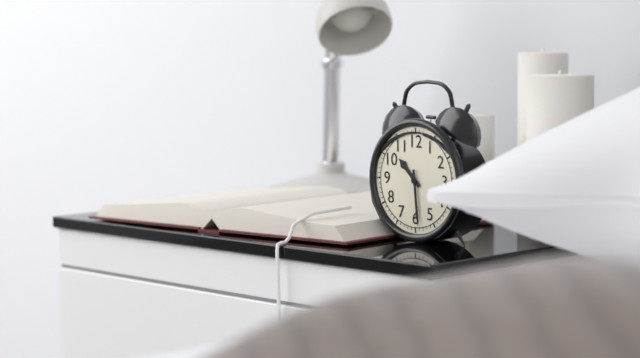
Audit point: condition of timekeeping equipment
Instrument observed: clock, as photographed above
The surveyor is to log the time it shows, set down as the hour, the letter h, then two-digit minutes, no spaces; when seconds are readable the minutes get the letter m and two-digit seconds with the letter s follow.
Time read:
10h29
